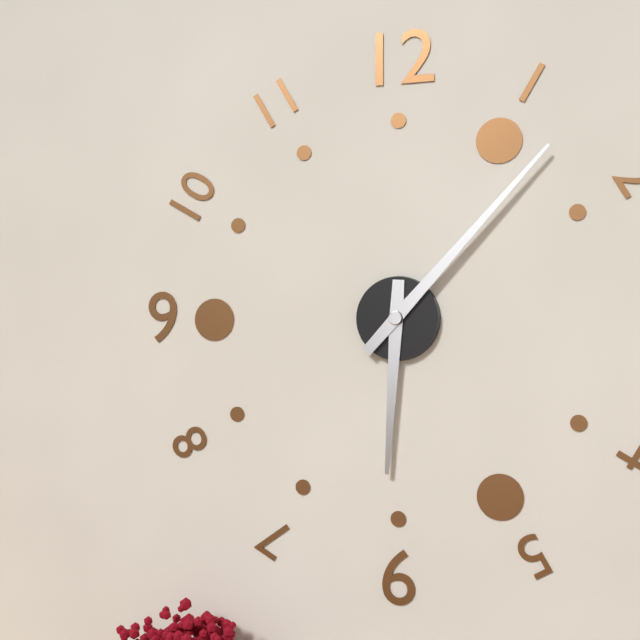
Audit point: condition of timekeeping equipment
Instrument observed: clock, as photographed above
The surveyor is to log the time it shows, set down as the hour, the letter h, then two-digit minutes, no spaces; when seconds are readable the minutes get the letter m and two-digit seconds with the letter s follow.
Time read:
6h07
